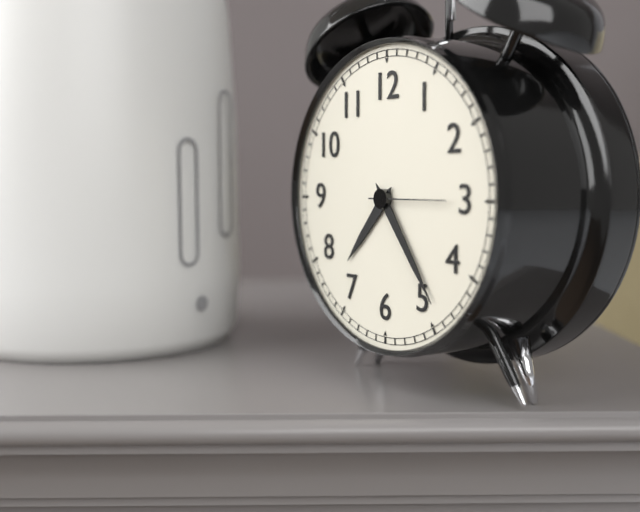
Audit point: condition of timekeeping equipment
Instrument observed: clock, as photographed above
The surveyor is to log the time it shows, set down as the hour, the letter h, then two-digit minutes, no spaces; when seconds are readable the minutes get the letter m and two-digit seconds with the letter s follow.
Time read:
7h24m15s
